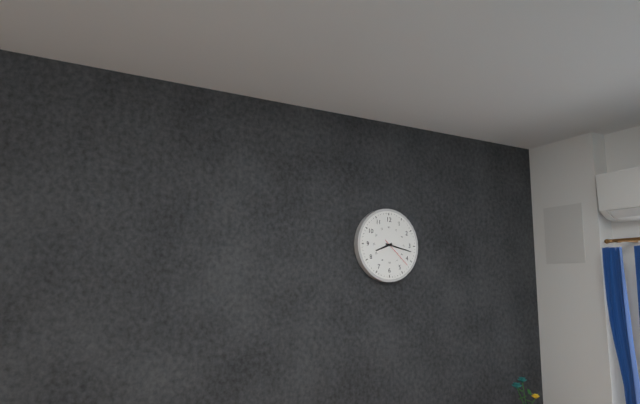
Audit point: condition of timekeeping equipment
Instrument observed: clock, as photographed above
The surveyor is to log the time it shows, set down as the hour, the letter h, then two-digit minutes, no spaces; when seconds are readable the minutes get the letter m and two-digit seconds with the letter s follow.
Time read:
8h17
